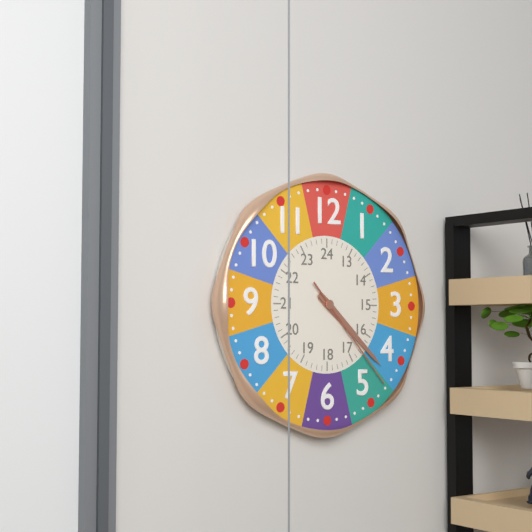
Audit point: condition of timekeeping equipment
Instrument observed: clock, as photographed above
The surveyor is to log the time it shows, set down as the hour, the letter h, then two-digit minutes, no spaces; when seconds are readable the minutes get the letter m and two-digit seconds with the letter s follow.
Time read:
4h22m23s
